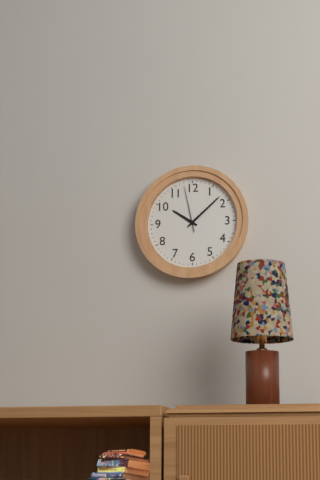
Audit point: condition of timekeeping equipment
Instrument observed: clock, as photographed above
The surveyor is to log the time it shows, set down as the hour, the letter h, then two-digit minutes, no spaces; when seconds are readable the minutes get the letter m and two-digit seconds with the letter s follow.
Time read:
10h08
